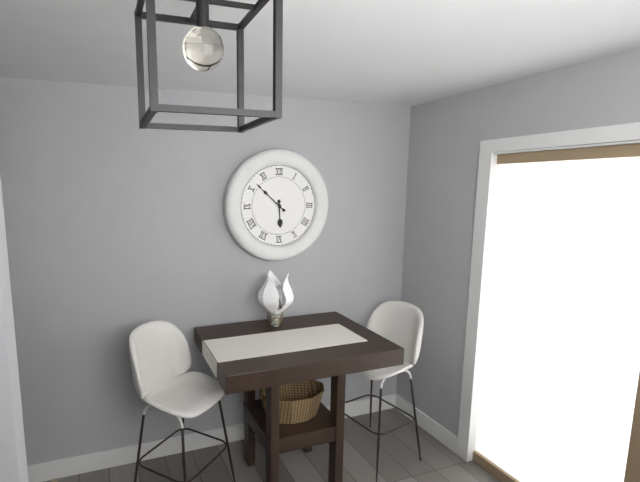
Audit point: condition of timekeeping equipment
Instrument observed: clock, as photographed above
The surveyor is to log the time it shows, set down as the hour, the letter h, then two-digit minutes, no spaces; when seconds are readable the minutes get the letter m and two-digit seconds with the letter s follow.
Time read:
5h52
